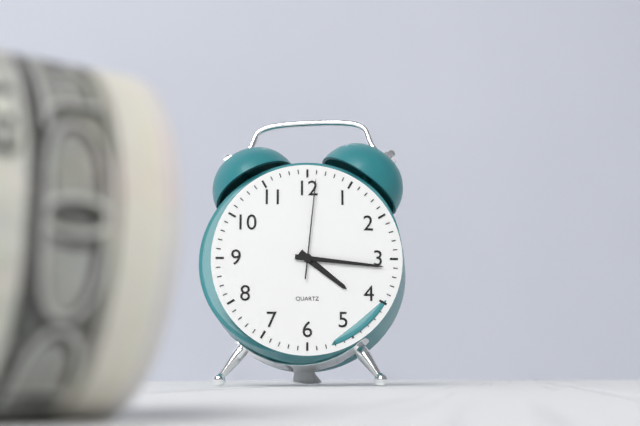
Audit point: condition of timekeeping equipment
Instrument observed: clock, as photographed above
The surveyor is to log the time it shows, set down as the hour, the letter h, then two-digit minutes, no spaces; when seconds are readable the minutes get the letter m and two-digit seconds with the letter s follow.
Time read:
4h16m01s
